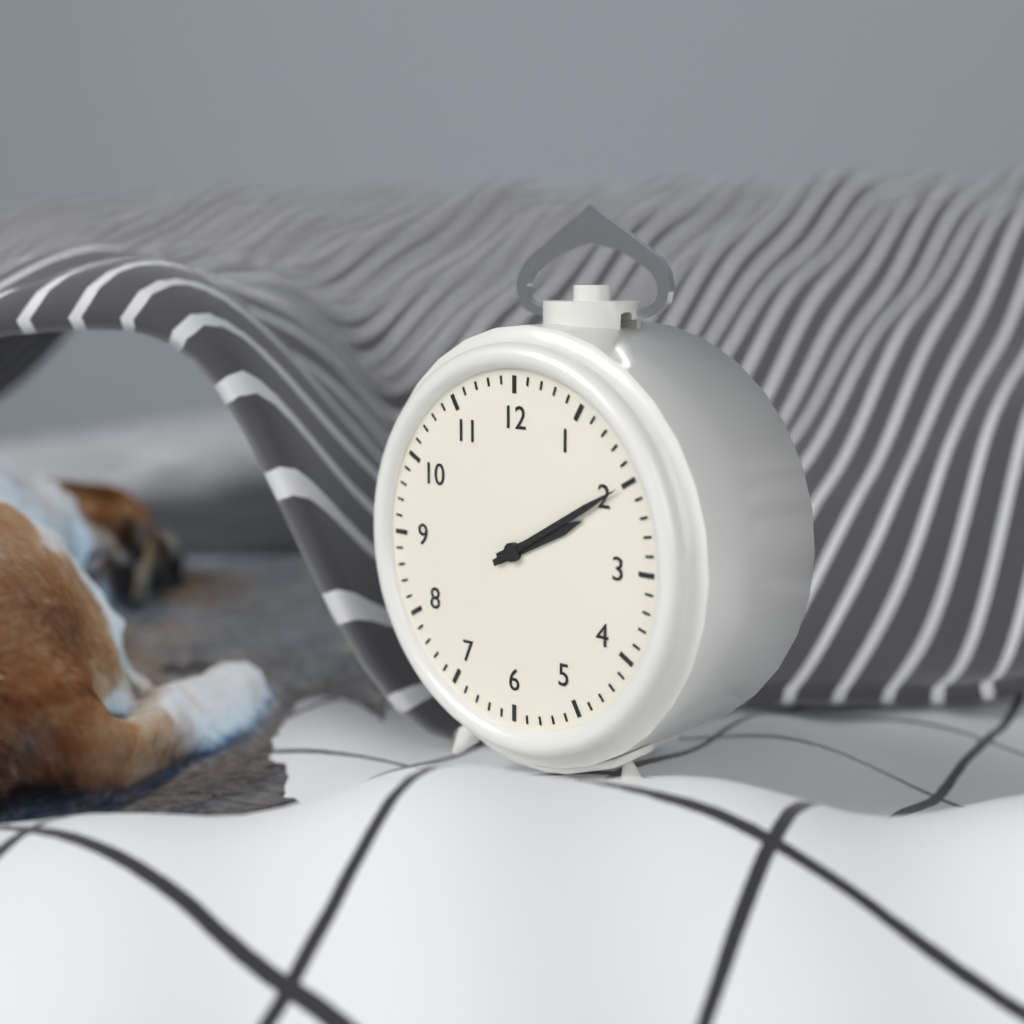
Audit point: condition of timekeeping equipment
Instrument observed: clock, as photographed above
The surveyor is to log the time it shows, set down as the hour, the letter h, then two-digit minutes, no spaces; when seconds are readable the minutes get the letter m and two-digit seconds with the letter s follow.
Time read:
2h10
